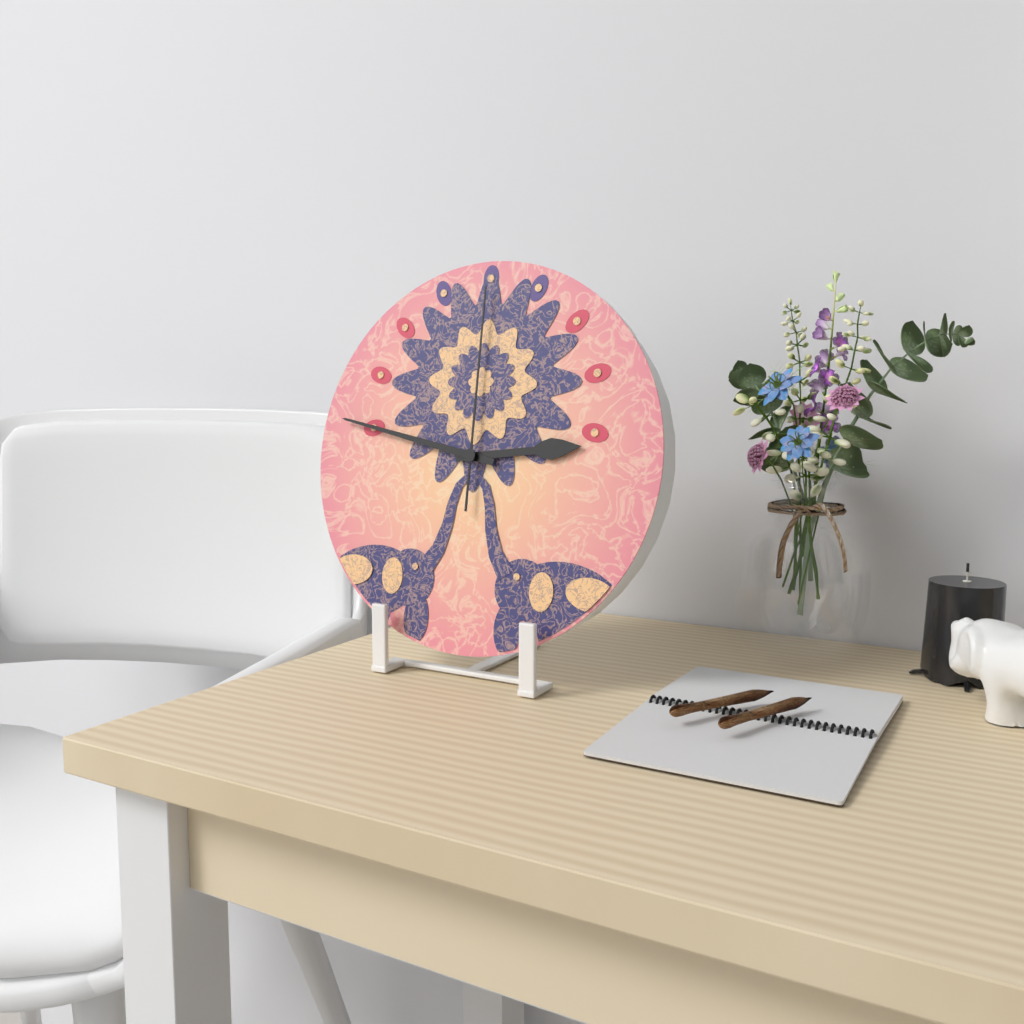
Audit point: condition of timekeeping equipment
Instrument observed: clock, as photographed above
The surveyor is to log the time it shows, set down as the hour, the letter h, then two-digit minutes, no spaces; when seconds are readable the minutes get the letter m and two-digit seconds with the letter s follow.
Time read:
2h47m00s
